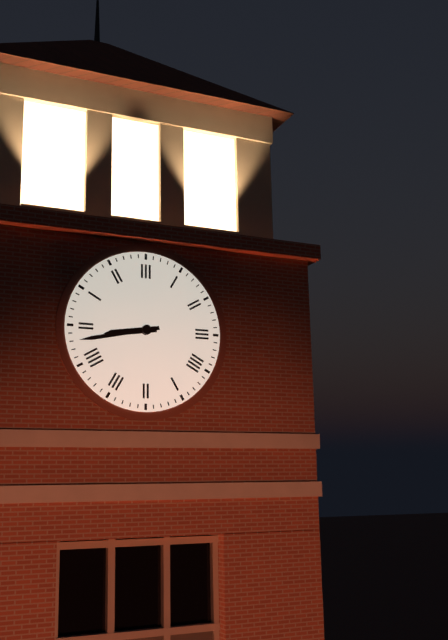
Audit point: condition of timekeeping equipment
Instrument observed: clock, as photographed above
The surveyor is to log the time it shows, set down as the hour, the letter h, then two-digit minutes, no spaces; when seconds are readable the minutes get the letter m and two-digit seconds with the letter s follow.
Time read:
8h43
